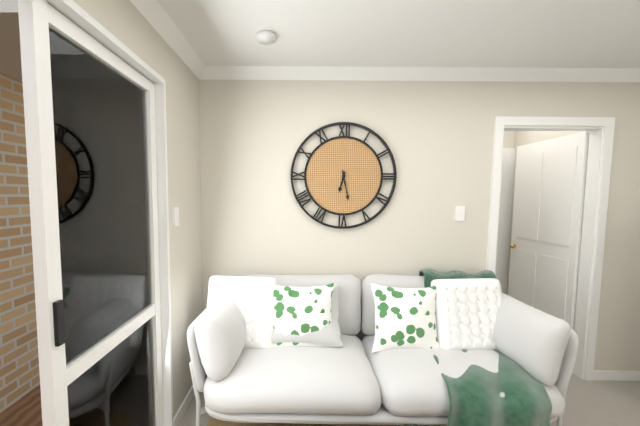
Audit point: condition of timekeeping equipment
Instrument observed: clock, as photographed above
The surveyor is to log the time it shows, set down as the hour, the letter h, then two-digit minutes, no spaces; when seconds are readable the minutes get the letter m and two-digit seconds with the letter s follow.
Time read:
6h28
